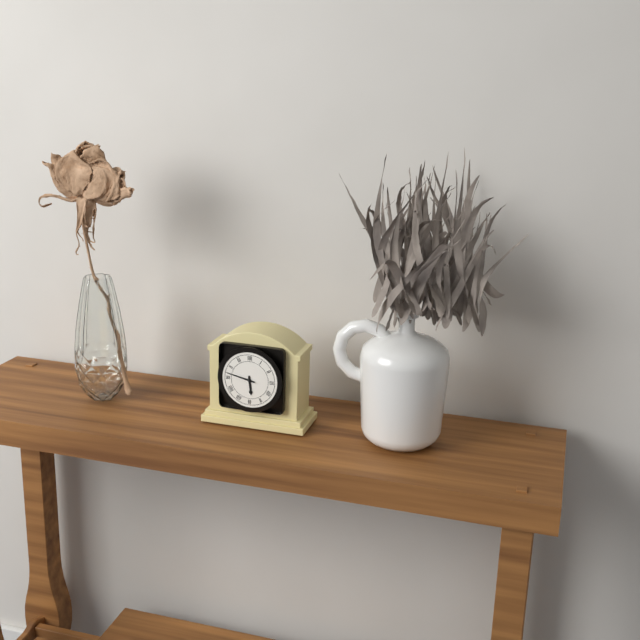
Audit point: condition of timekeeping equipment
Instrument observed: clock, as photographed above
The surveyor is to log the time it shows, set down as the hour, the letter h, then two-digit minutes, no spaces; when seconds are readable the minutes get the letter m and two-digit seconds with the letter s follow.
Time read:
5h47
